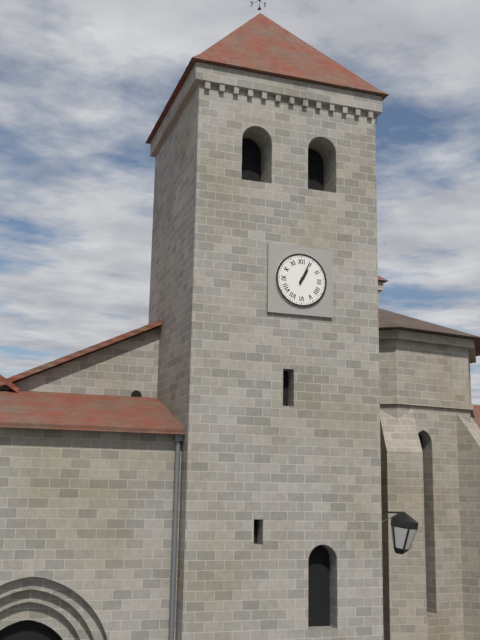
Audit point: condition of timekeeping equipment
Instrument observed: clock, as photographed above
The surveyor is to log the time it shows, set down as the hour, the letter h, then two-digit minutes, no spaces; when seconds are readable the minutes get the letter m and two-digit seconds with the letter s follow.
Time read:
1h04
